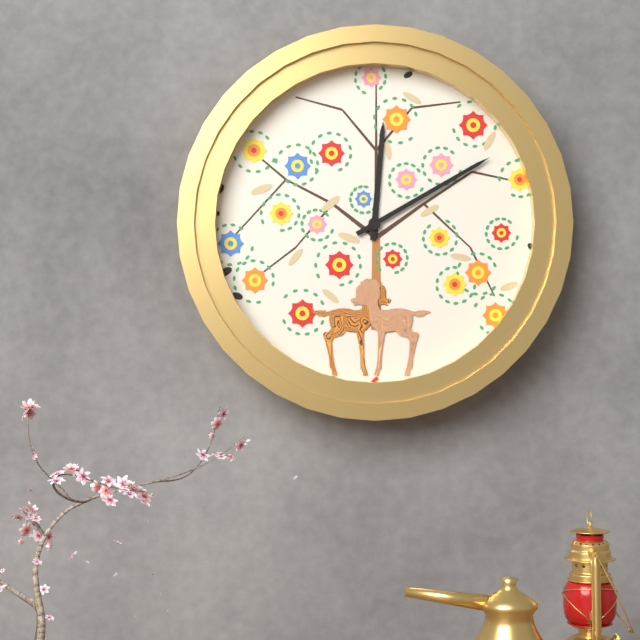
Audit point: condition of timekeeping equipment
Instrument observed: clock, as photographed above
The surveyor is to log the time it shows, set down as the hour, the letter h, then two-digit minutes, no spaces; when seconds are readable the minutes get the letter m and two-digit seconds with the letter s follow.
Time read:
12h10
